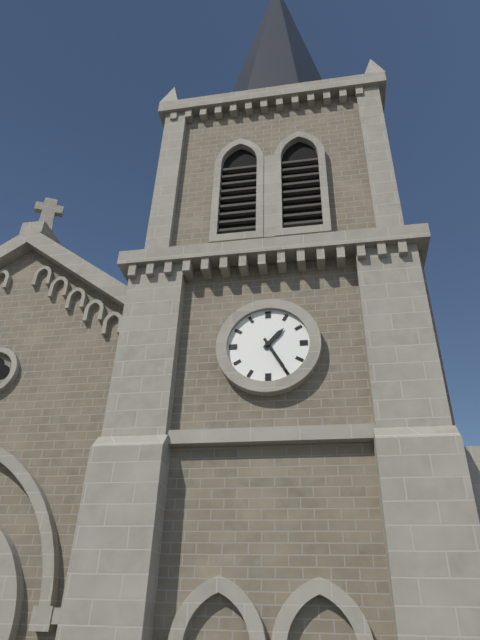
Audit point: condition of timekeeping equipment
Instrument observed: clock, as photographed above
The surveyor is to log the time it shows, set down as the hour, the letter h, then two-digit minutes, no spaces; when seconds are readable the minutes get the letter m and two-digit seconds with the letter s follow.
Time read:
1h25
